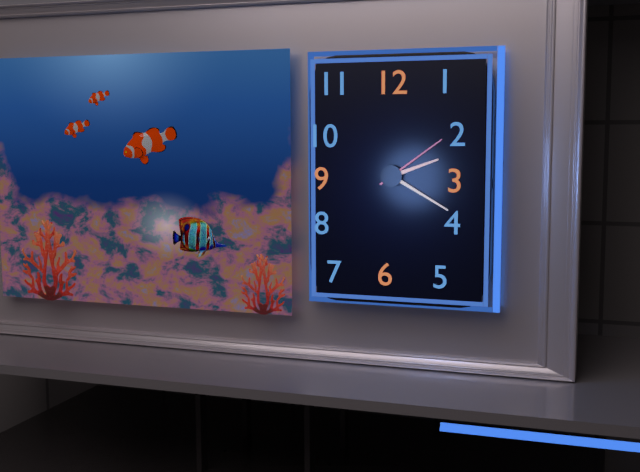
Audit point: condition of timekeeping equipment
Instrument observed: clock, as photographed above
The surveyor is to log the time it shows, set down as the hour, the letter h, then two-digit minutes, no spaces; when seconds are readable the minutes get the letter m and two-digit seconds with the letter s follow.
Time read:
2h20m09s
